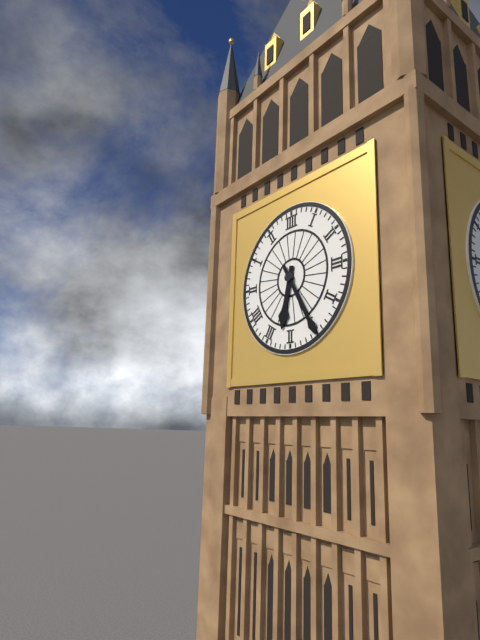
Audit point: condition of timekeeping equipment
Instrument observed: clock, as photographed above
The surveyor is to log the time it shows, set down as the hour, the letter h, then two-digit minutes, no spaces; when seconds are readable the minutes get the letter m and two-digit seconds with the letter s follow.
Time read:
6h25
